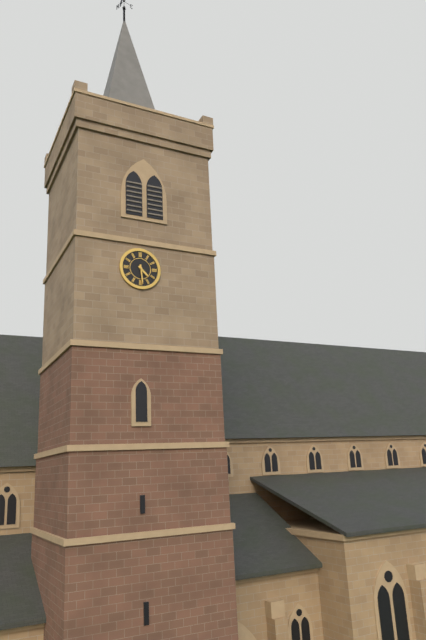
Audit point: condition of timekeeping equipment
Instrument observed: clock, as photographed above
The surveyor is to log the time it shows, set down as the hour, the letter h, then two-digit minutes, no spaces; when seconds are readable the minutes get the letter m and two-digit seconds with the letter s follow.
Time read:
4h29
